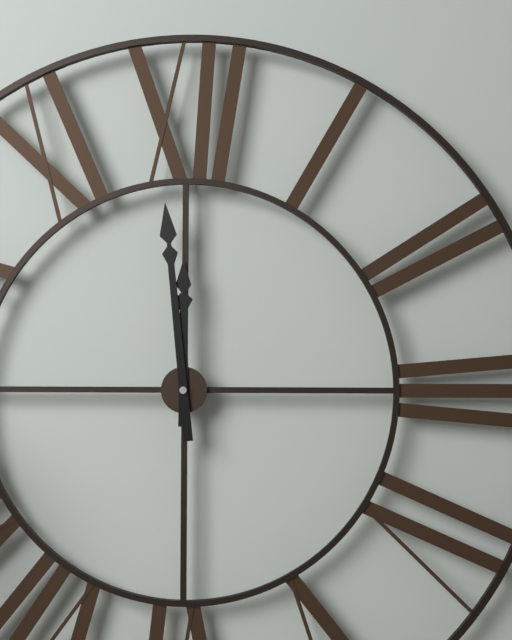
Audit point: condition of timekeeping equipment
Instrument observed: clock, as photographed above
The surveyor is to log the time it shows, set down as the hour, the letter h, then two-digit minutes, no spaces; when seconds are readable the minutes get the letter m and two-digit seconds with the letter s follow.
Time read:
11h59
